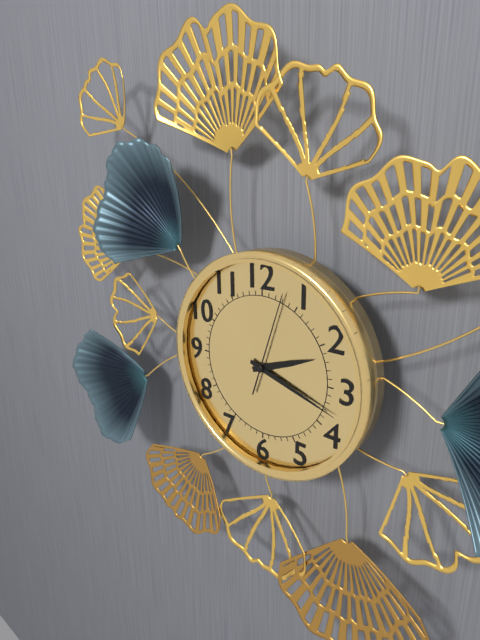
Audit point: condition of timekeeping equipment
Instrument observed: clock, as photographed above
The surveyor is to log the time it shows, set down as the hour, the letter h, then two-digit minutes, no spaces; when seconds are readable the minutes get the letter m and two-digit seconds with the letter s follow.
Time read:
2h18m03s
